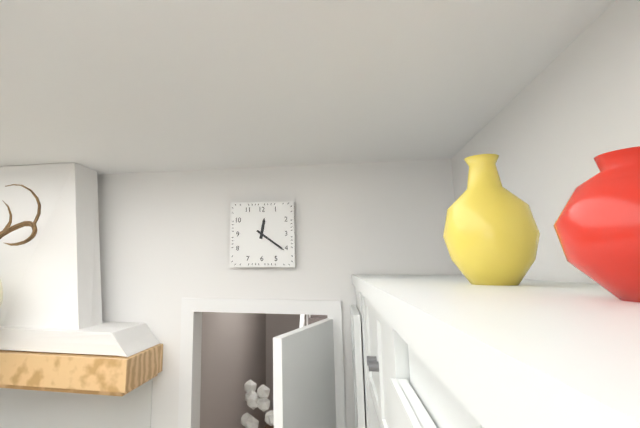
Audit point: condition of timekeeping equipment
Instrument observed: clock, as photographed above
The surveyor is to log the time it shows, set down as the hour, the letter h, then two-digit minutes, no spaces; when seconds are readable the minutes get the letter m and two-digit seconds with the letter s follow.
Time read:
12h21
